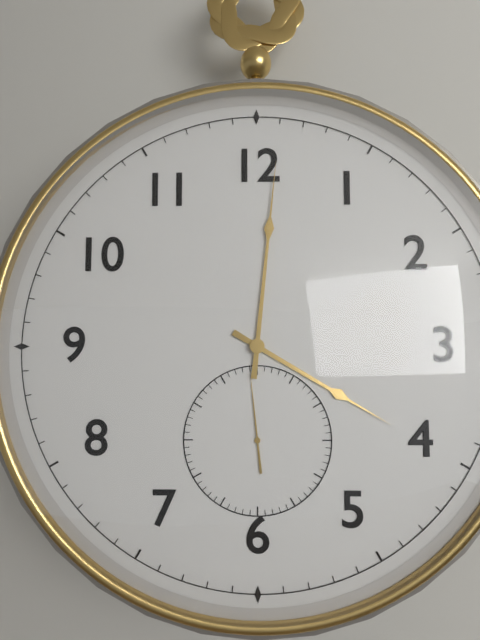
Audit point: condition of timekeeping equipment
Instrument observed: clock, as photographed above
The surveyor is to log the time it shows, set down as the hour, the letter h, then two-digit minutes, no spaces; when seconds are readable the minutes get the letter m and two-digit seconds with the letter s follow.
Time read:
4h01m59s
